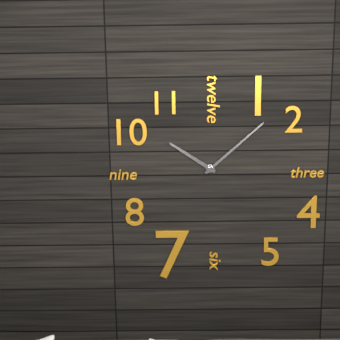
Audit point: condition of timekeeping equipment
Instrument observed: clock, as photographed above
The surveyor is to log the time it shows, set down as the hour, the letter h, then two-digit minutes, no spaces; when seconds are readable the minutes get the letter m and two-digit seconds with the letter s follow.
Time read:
10h08
